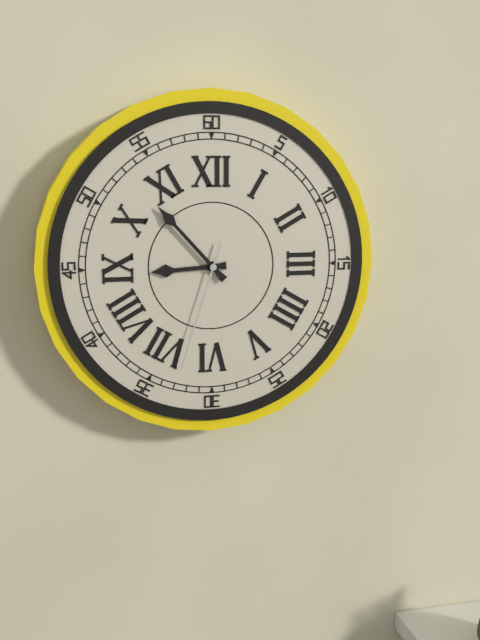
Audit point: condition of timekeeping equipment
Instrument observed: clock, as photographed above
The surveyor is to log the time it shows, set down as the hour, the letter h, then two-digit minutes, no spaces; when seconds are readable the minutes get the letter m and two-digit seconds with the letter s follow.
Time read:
8h53m33s
